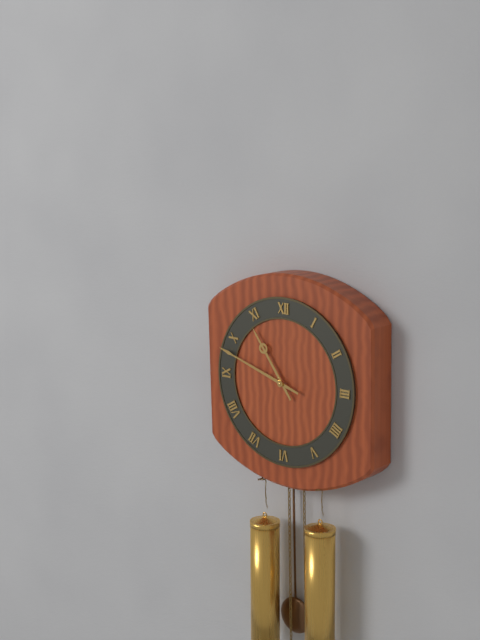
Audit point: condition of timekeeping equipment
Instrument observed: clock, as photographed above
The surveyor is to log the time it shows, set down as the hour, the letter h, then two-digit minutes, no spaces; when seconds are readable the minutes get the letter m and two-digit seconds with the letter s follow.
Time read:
10h48
